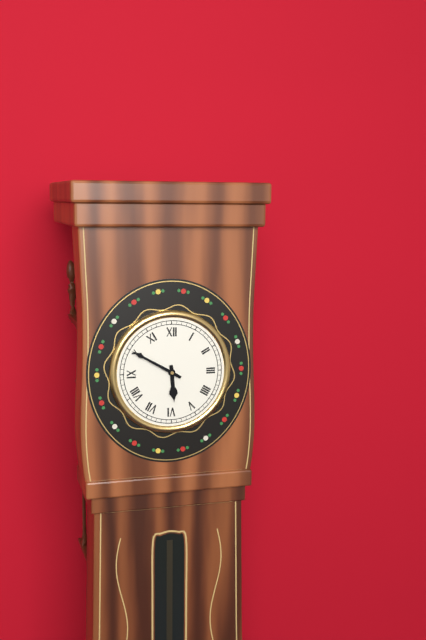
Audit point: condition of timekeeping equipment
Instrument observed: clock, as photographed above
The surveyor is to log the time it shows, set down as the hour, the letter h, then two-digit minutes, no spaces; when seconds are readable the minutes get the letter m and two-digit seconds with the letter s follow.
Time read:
5h50
